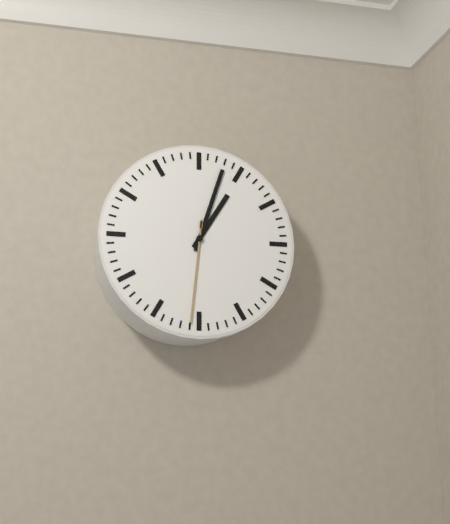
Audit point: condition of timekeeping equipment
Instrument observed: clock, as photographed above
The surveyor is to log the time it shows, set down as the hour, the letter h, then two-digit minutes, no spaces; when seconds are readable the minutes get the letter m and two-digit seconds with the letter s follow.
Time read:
1h03m31s
